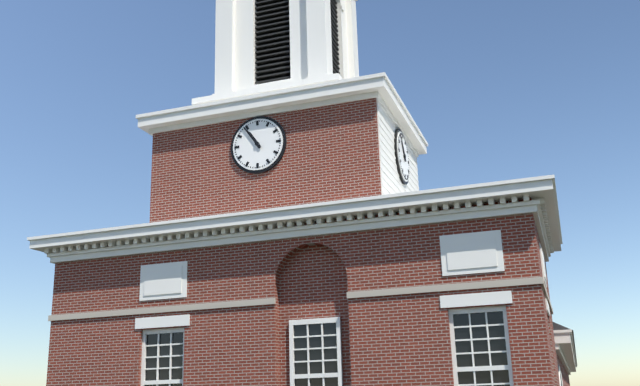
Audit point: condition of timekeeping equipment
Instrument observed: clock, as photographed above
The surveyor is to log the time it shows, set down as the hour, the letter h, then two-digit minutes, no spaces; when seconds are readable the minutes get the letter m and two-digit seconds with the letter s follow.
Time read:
10h54
